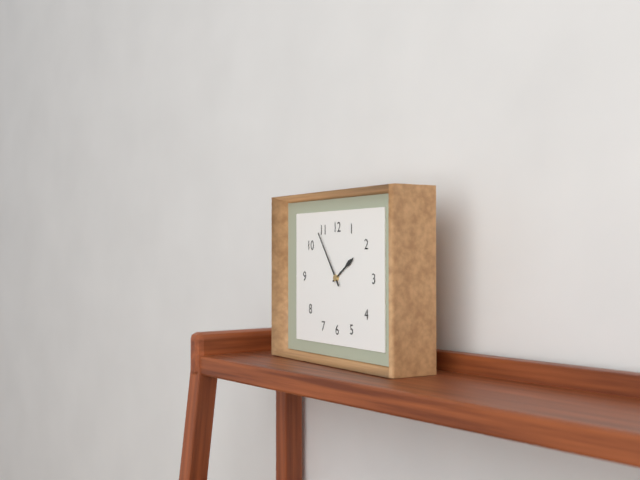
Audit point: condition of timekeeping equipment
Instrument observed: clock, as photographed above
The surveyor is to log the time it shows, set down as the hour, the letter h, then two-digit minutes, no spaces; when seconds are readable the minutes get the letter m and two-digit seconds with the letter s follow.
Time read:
1h54
